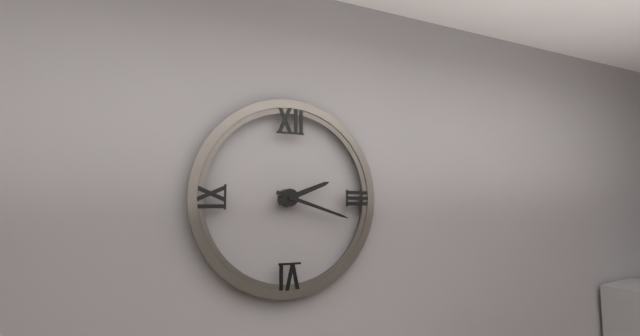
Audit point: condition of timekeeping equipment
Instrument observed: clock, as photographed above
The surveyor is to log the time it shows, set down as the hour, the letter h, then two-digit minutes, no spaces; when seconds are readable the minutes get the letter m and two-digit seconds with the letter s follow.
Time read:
2h18
